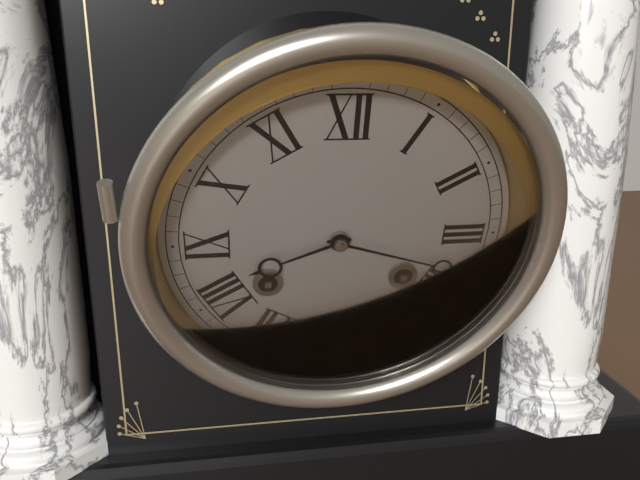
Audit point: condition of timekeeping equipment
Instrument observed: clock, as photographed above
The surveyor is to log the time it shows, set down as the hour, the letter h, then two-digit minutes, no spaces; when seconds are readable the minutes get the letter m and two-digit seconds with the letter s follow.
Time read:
8h18
